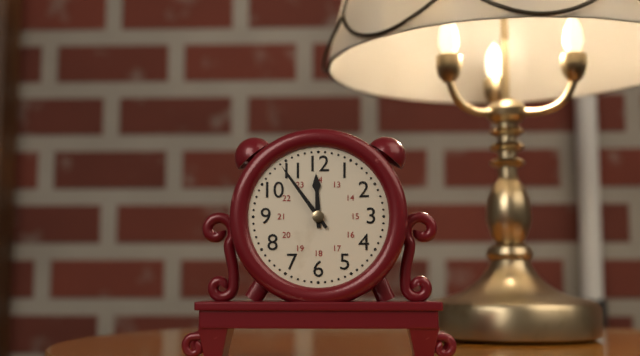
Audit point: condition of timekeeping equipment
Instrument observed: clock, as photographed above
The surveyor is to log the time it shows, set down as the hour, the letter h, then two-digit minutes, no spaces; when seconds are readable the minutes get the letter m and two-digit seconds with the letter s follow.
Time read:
11h54
